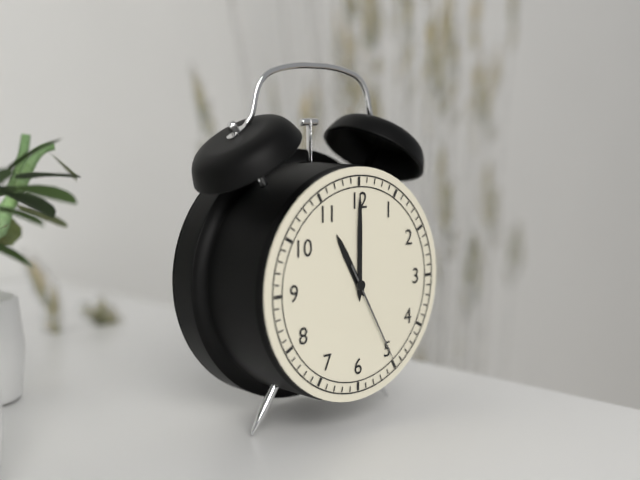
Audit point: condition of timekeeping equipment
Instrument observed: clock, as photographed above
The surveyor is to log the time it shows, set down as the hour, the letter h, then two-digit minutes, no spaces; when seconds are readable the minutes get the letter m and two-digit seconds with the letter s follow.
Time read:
11h00m25s
